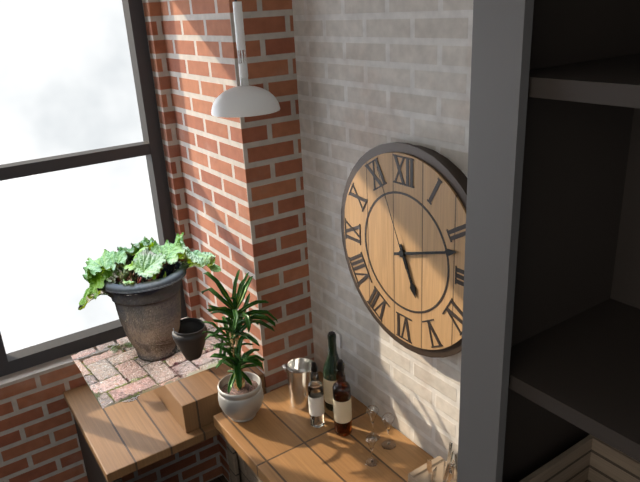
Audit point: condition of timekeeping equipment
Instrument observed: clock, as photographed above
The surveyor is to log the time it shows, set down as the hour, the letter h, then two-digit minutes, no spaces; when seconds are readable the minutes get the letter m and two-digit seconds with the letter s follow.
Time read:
5h12m56s
